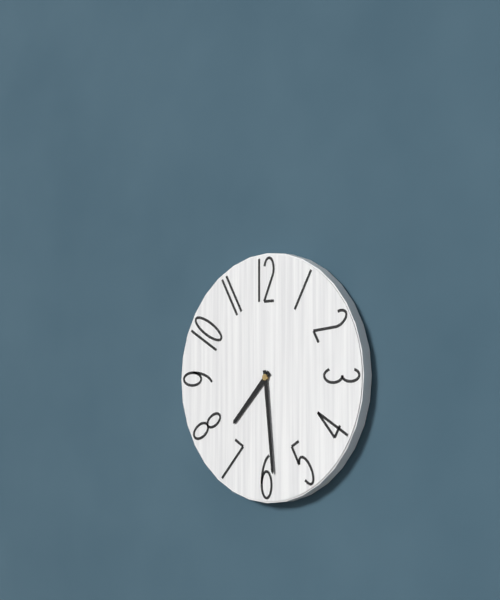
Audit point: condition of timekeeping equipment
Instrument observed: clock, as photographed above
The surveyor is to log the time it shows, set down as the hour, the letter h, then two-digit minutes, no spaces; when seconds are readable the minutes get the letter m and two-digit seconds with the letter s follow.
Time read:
7h29
